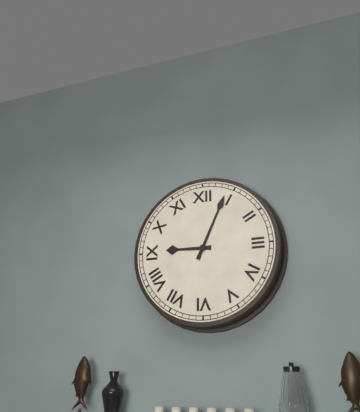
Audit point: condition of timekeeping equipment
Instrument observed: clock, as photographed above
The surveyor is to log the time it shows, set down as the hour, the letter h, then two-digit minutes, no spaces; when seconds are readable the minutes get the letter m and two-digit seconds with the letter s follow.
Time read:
9h04
